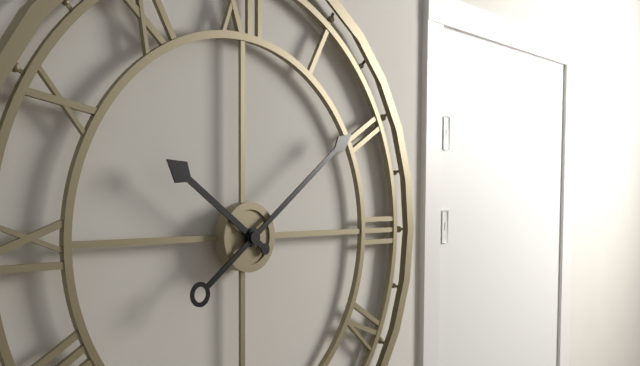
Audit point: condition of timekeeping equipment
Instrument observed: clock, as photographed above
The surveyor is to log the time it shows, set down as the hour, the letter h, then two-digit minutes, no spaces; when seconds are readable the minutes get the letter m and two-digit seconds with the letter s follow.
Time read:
10h09
